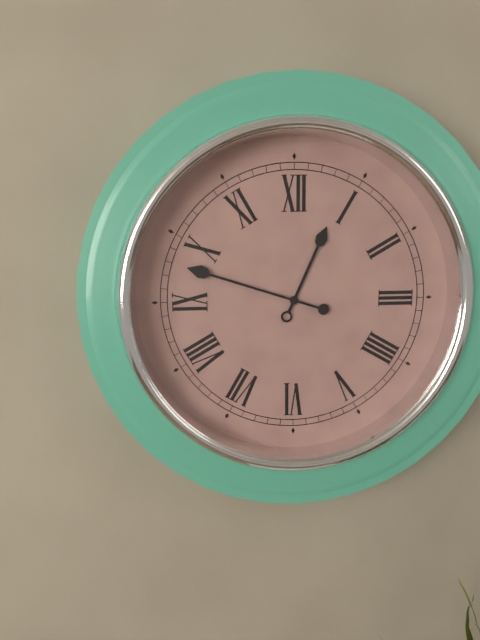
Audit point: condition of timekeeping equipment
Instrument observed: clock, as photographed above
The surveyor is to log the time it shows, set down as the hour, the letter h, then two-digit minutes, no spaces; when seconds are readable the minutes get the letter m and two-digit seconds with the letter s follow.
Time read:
12h48
